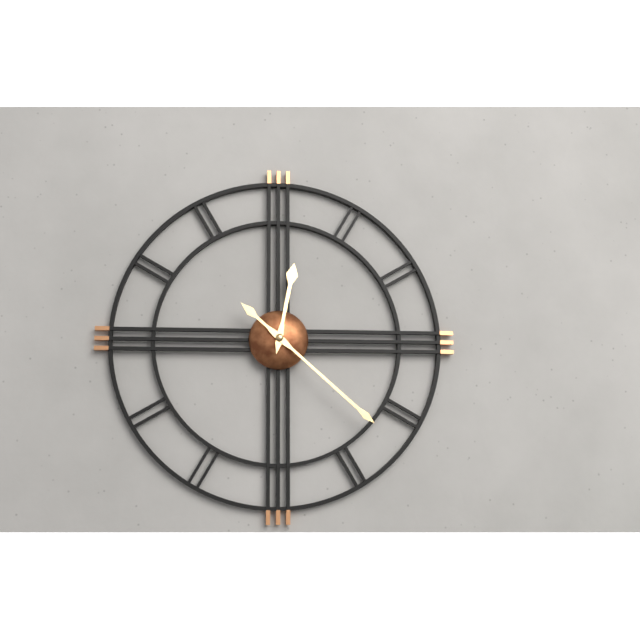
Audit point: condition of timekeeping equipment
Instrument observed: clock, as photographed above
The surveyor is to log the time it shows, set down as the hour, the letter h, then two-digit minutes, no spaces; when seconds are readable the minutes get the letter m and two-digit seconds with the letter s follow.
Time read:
12h22
